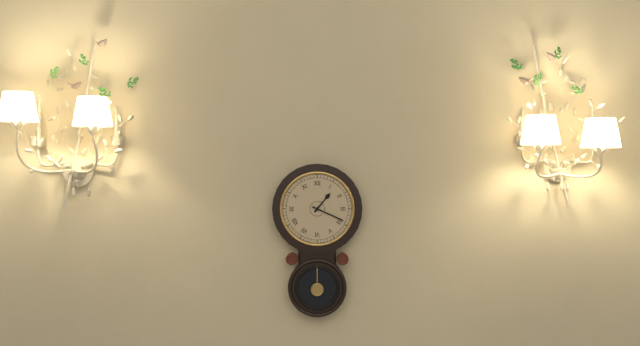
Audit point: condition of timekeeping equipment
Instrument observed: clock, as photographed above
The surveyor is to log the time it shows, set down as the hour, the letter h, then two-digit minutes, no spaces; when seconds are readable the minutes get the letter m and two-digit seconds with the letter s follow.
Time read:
1h19
